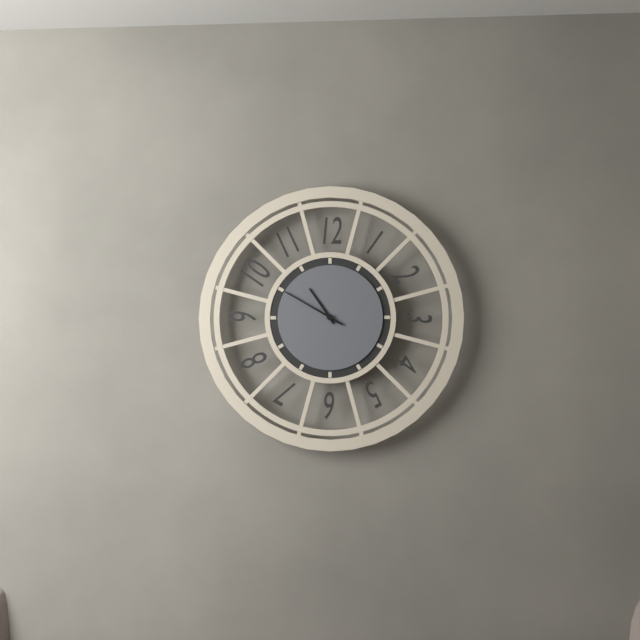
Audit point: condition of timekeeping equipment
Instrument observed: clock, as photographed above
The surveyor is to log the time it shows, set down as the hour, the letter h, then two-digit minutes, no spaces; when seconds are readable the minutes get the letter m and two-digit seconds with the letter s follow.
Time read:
10h50
